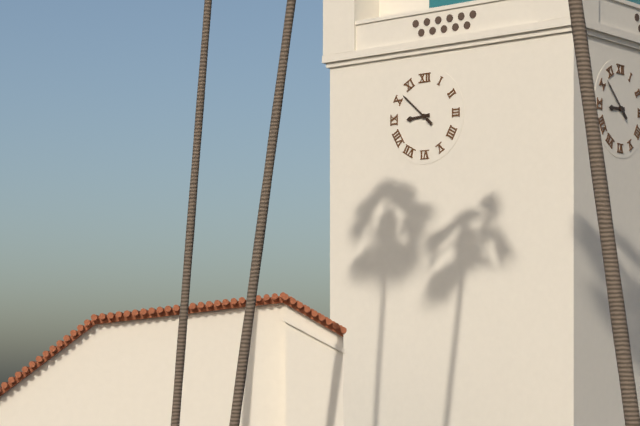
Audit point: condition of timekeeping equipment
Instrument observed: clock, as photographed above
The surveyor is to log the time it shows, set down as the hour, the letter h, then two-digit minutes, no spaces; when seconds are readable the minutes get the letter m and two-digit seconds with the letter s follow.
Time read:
8h52
